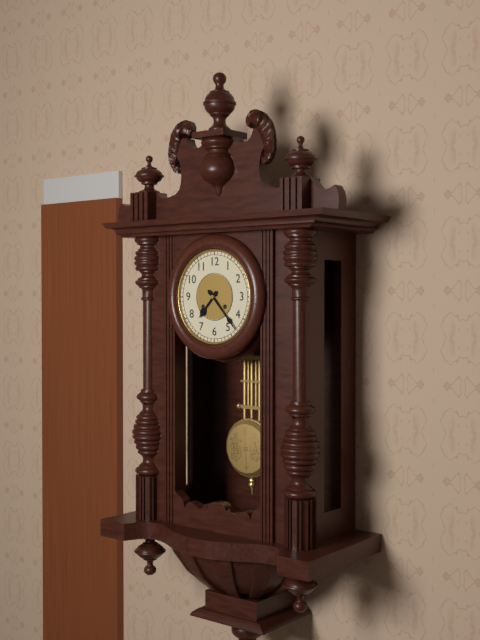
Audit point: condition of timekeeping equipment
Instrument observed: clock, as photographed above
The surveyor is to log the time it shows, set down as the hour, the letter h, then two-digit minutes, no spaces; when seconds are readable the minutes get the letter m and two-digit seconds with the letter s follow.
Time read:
7h23
